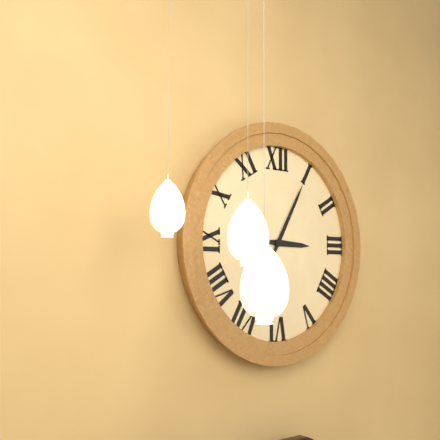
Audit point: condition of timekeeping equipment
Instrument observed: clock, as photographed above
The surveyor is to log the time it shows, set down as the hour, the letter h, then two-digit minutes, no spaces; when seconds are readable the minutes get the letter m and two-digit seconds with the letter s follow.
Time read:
3h05
